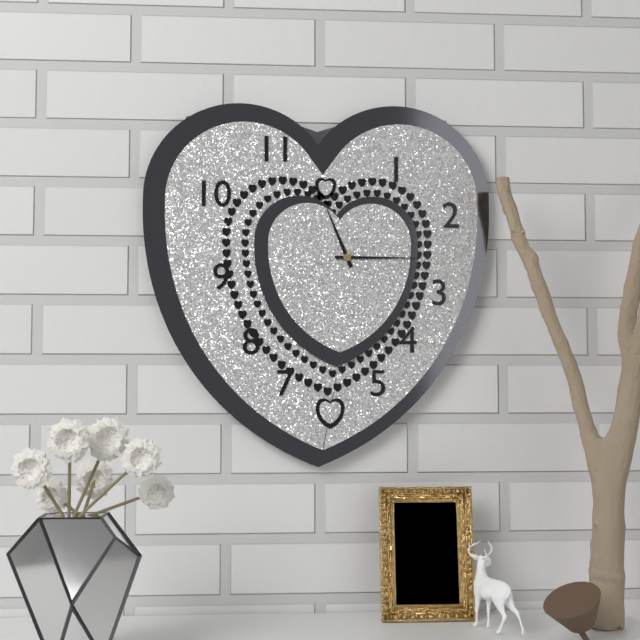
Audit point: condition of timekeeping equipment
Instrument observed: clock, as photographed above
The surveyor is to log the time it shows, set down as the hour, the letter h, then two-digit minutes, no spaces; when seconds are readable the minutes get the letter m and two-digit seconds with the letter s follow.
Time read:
11h15
